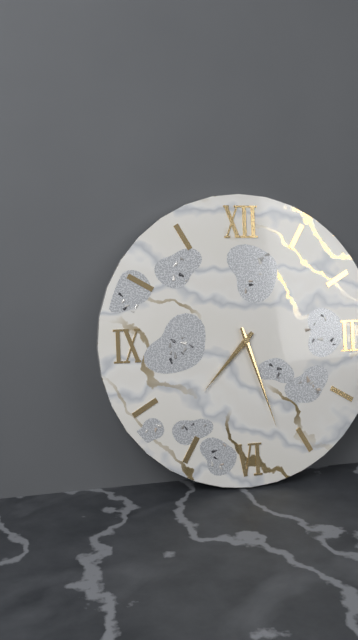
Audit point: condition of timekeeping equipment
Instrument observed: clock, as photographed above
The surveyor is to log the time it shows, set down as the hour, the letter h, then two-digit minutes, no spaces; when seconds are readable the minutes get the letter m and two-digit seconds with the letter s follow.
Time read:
7h27
